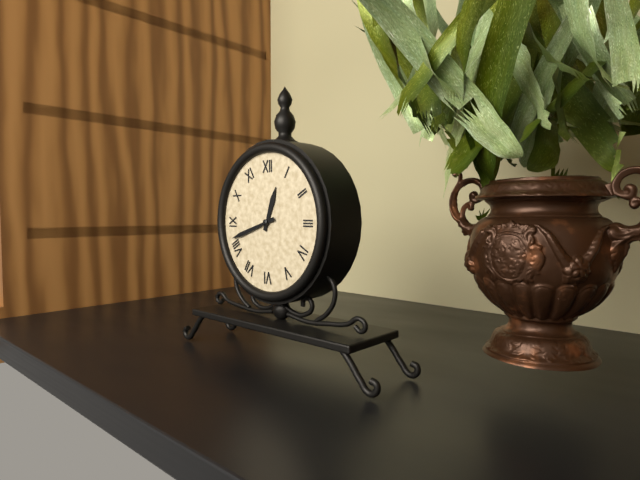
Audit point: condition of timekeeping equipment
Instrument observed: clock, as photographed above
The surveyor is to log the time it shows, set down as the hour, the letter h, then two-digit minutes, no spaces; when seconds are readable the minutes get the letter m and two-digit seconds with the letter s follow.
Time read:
12h42
